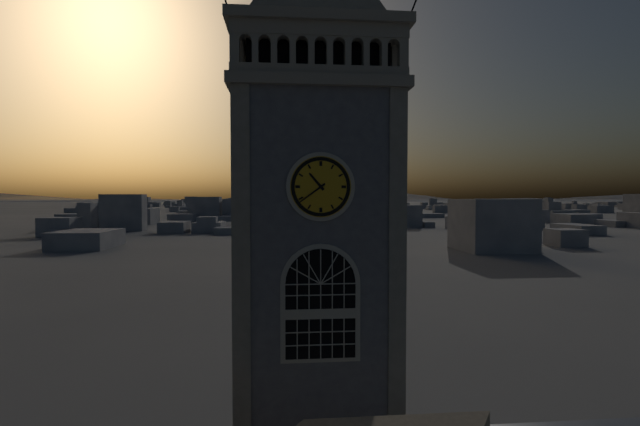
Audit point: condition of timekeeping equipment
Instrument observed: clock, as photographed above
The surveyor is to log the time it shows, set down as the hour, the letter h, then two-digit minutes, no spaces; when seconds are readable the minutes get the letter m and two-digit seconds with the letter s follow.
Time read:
10h39
